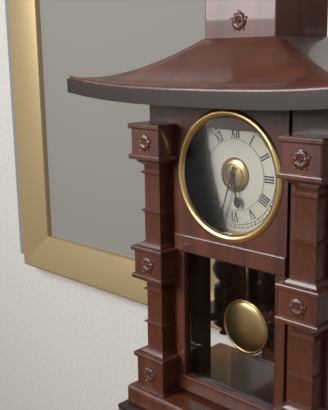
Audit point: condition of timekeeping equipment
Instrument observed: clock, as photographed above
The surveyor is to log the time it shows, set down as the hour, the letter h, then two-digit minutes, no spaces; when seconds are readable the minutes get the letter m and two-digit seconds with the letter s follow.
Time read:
5h33
